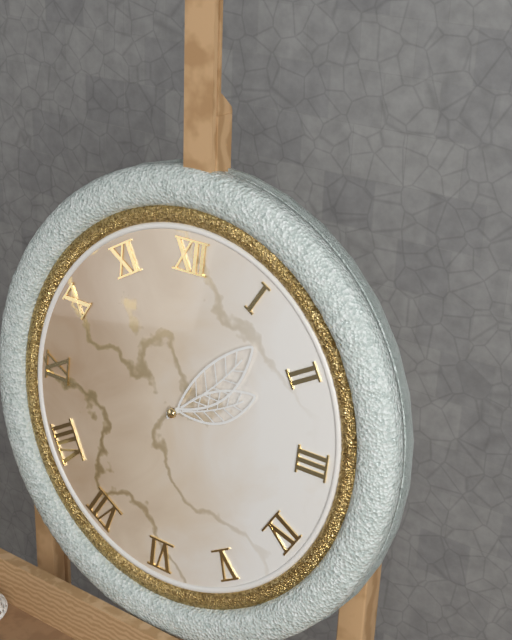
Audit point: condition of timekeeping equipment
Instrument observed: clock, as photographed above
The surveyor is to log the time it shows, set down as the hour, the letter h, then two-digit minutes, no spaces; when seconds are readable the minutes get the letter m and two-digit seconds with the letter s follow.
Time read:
2h07
